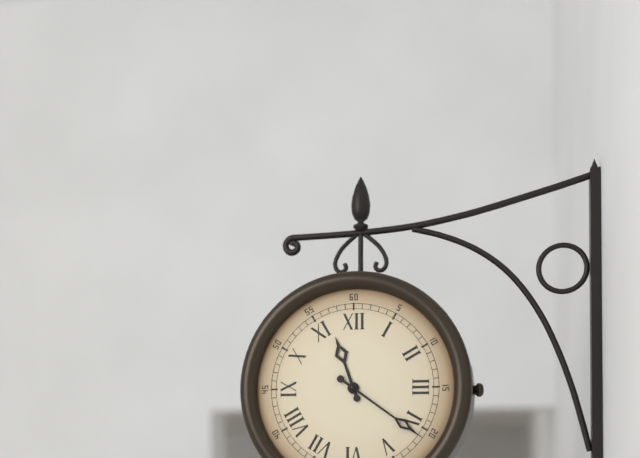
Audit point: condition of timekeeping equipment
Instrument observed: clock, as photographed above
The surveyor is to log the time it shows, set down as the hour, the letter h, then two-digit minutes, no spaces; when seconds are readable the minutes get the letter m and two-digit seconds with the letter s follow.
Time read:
11h21
